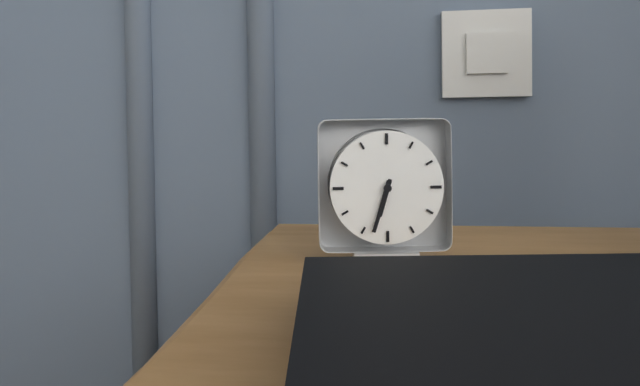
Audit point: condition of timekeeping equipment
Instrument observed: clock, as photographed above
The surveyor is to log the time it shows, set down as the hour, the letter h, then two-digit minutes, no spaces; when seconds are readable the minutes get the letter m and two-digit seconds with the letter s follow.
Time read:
6h33
